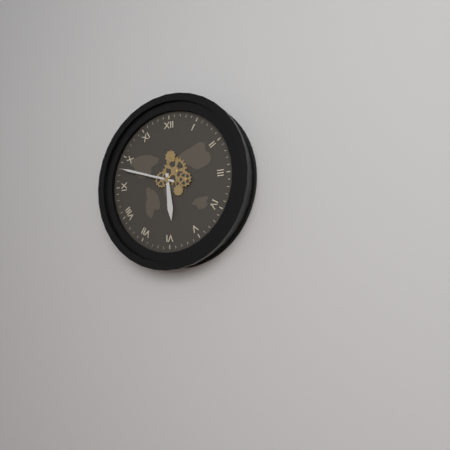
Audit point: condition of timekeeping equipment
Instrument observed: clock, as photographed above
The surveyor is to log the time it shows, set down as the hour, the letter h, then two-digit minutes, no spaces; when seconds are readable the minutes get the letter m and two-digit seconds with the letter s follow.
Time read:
5h48
